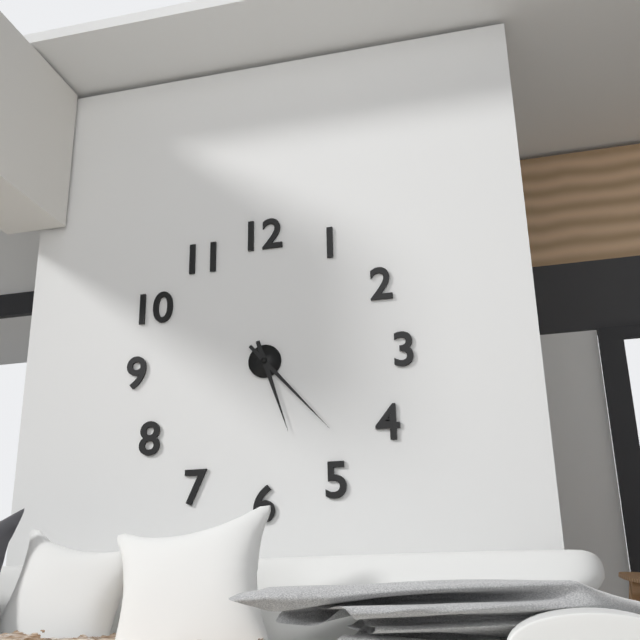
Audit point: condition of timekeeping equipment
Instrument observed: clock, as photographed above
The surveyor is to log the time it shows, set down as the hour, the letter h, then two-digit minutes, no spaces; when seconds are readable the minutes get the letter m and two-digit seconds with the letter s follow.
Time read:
5h23
